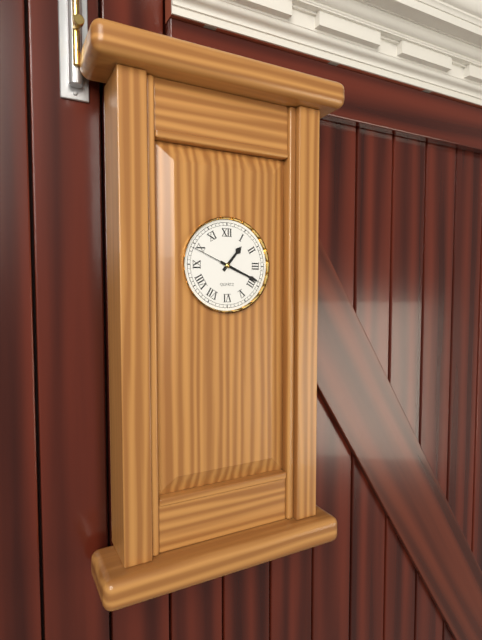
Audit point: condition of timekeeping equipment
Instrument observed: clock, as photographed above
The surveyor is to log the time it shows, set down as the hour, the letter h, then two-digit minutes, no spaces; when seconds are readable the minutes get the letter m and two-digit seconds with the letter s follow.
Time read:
1h19
